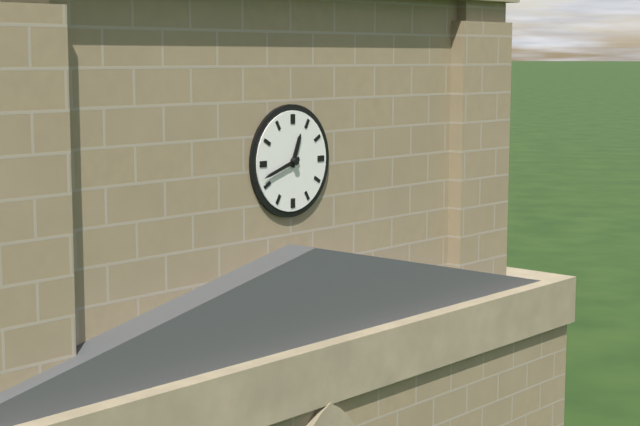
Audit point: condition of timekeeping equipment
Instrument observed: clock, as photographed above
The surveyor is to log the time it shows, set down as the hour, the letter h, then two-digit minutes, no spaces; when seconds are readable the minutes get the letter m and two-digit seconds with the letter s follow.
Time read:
12h42
